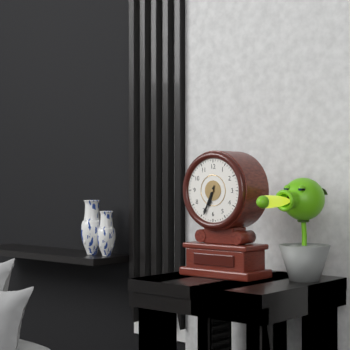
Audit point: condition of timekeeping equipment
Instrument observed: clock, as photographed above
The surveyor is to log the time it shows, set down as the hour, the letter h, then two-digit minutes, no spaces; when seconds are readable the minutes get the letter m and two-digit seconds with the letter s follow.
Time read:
6h34
